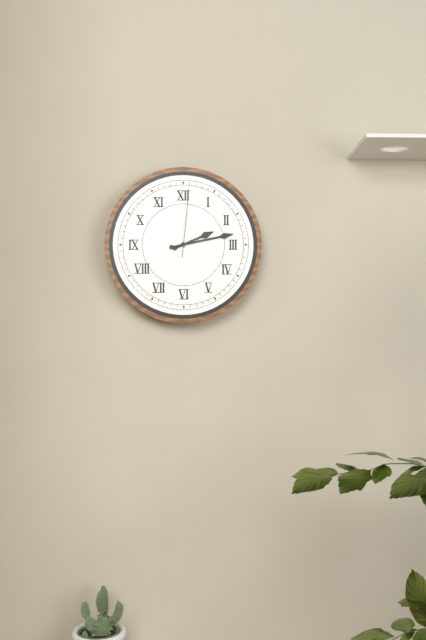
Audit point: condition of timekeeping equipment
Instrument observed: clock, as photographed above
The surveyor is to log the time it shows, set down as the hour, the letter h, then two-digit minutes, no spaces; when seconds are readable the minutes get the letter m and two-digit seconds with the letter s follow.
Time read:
2h13m01s
